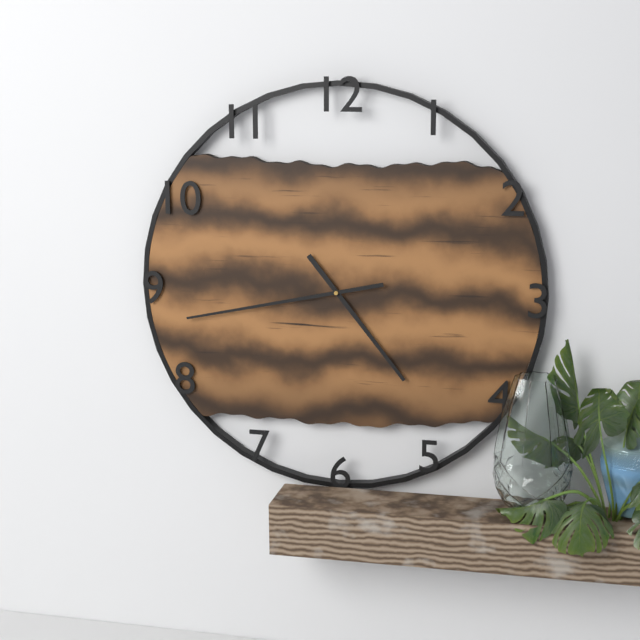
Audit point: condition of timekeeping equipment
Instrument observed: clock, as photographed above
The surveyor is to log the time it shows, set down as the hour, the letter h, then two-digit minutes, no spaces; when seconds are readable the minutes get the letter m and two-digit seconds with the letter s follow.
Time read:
4h43
